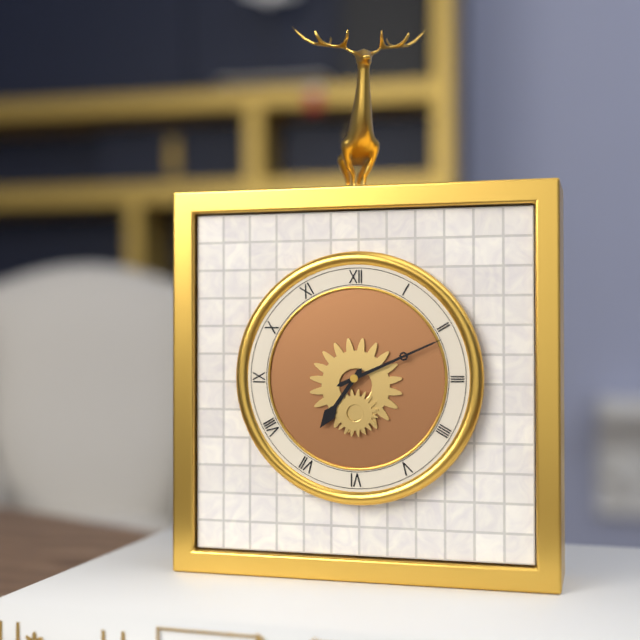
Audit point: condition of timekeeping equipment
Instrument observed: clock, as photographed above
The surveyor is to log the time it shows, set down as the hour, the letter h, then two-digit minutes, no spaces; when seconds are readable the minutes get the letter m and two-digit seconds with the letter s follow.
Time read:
7h11
